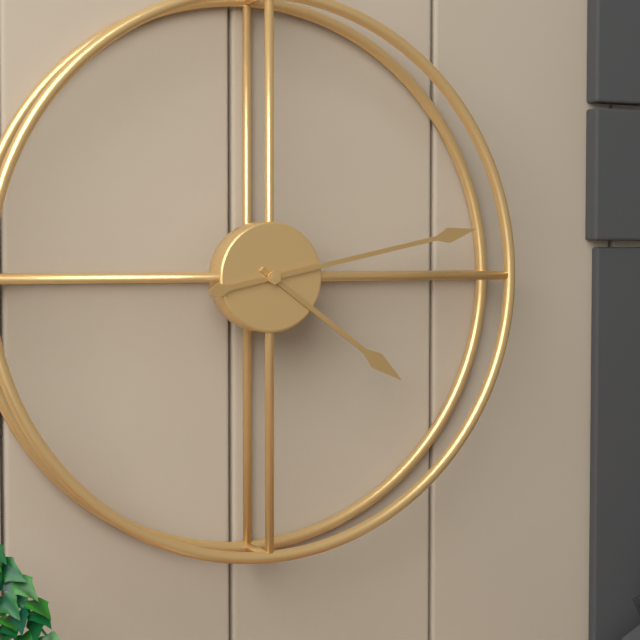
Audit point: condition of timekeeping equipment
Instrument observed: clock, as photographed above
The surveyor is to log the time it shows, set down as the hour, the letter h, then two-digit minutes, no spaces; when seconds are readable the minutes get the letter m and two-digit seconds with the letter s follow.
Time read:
4h13
